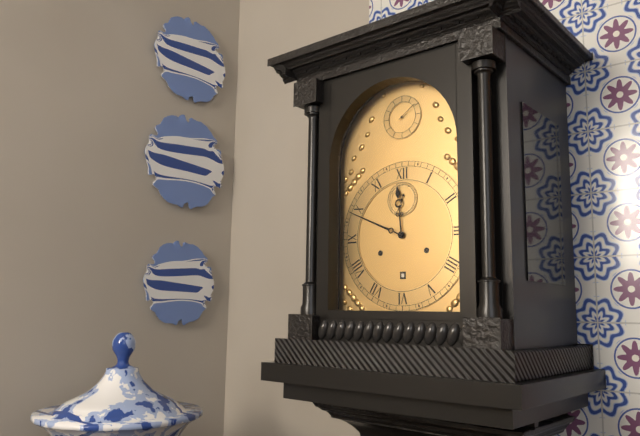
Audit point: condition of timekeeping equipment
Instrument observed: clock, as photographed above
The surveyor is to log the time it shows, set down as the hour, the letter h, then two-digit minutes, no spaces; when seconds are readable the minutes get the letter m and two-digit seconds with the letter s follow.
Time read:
11h49
